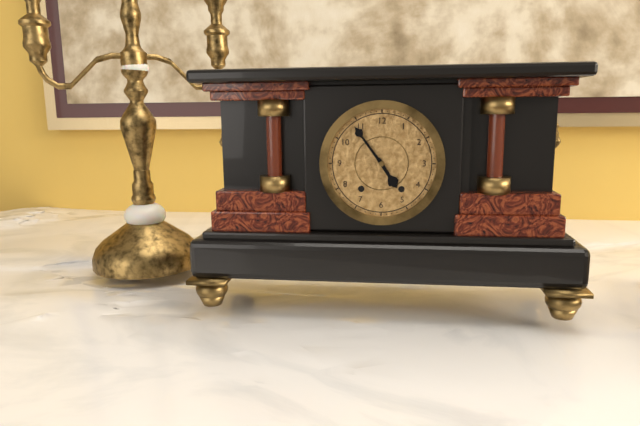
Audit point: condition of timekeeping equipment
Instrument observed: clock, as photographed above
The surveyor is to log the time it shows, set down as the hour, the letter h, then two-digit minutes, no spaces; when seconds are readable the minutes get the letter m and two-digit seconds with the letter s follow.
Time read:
4h54
